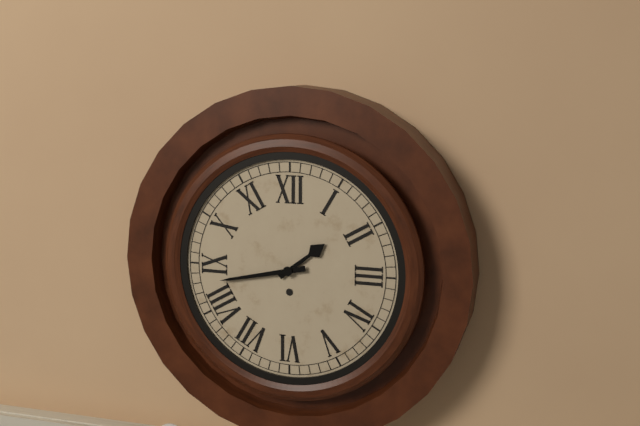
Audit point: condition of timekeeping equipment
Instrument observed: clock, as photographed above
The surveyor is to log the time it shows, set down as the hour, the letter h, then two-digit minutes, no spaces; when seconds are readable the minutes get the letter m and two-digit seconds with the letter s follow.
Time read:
1h43
